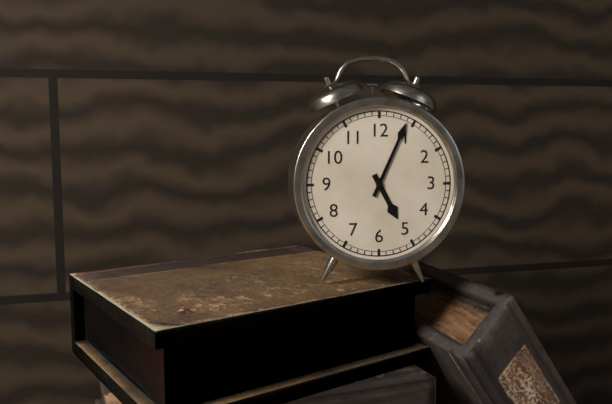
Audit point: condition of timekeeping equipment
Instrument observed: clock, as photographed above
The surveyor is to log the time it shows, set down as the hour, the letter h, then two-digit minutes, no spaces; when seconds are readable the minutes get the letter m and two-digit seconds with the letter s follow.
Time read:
5h04
